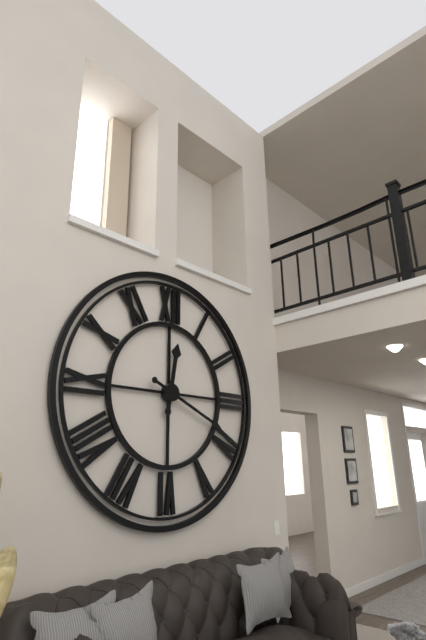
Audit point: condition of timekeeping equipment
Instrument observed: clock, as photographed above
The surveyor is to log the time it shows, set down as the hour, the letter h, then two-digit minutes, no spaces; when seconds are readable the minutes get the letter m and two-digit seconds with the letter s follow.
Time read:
12h19
